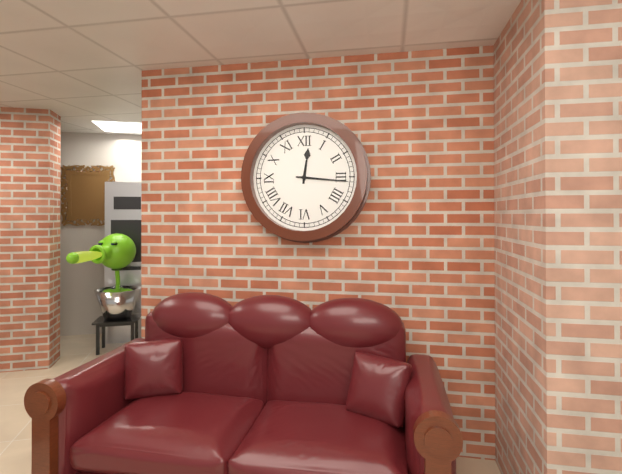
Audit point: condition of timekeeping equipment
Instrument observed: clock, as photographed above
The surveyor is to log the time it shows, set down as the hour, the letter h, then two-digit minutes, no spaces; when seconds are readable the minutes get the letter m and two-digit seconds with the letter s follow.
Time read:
12h16
